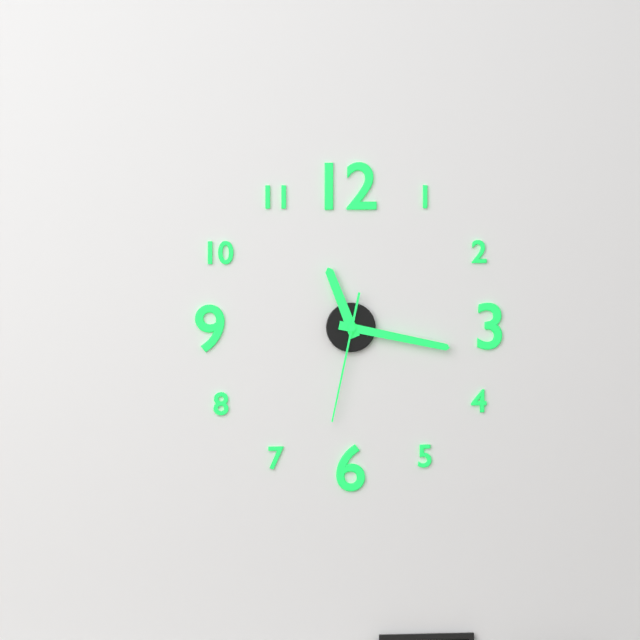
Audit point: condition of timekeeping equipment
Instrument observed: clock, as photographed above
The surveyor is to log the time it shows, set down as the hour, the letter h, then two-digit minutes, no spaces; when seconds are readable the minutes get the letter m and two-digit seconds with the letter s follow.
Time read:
11h17m32s
